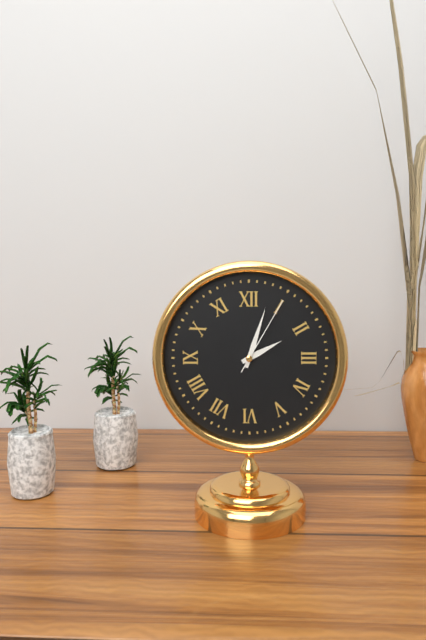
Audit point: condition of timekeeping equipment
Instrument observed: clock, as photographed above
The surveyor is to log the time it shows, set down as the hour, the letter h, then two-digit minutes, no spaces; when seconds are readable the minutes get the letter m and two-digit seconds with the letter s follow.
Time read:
2h03m05s
